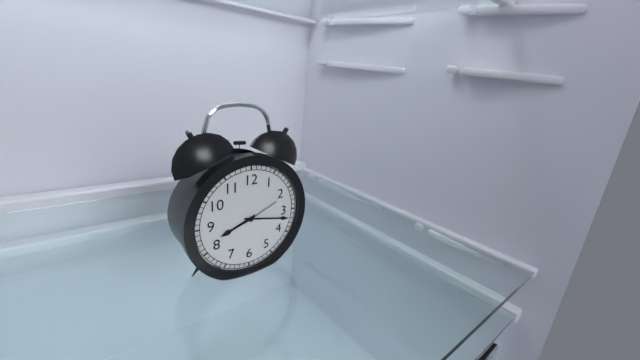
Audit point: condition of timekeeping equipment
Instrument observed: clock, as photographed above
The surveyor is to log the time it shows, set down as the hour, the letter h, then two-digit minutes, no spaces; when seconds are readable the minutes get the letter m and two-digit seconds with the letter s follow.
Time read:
8h17
